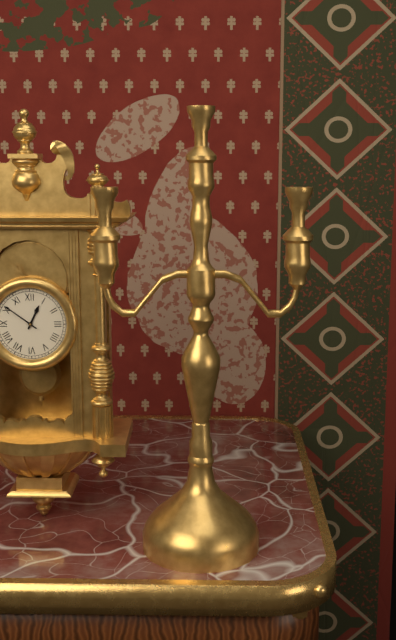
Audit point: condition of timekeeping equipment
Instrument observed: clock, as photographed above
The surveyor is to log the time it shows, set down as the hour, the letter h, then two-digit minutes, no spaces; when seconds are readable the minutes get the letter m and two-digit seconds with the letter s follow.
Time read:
12h51
